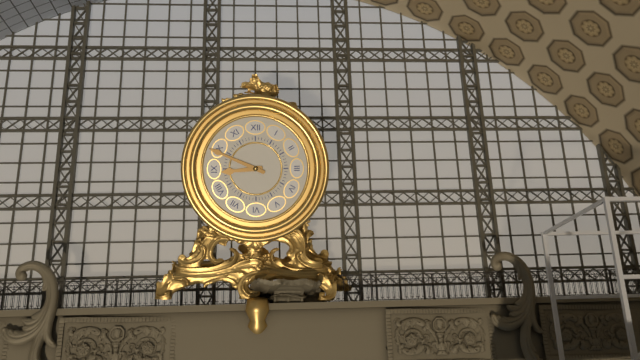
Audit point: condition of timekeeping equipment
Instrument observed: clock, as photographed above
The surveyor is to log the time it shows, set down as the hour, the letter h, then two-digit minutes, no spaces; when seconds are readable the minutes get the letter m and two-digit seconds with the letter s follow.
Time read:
8h49
